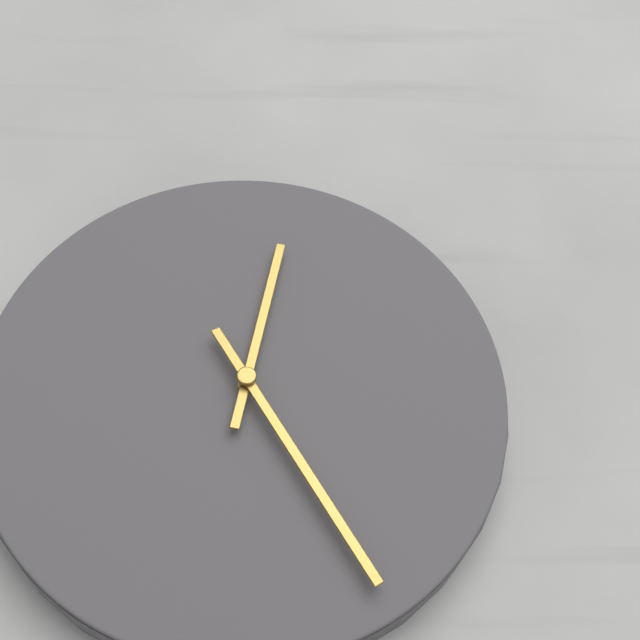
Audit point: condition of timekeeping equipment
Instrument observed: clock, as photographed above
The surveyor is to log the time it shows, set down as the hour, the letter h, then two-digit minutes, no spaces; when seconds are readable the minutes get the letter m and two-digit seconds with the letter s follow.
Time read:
12h25
